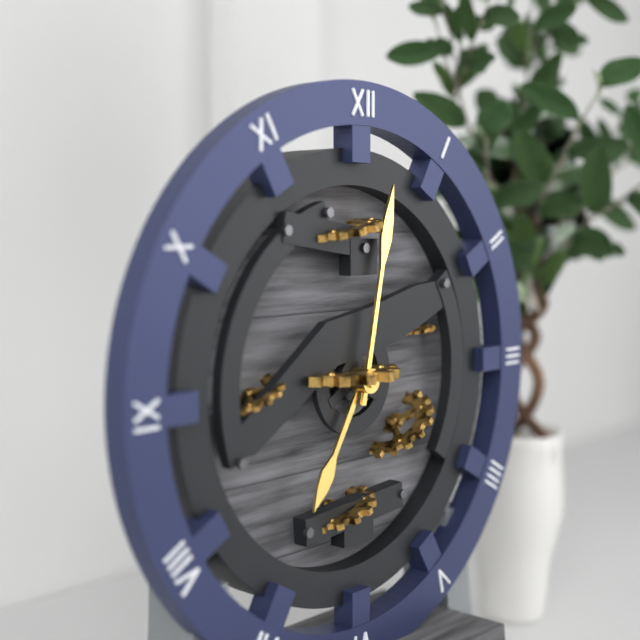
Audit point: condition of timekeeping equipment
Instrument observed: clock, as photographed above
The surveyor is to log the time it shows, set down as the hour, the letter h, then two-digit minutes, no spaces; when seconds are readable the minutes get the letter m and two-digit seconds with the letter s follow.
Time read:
7h02
